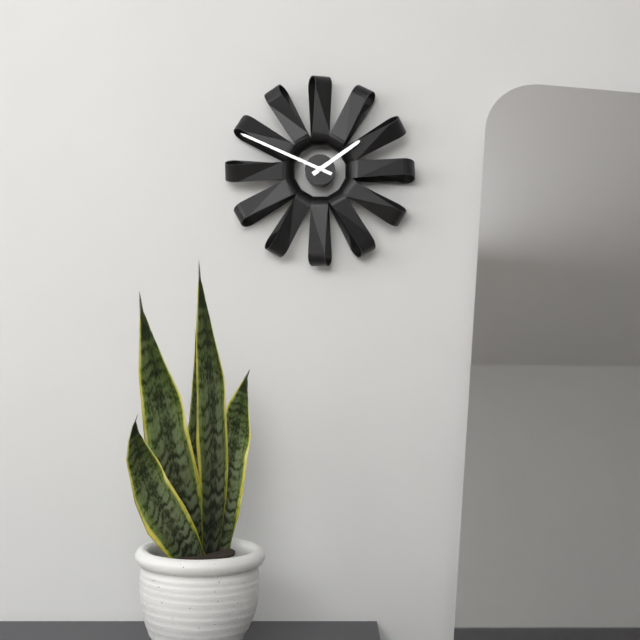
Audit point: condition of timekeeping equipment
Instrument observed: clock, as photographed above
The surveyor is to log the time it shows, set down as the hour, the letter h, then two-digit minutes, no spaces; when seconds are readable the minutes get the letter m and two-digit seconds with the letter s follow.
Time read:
1h49
